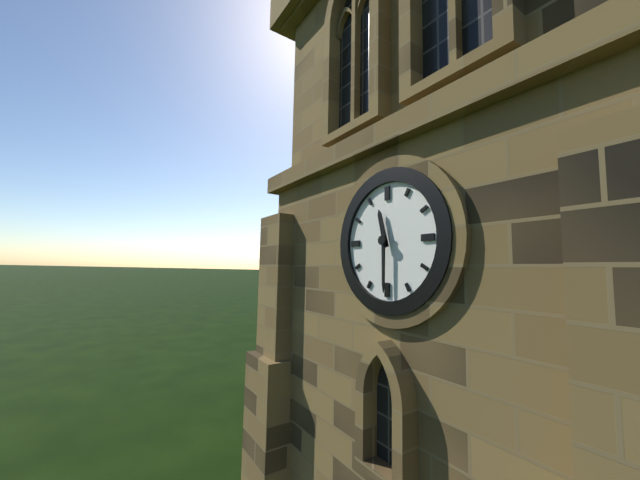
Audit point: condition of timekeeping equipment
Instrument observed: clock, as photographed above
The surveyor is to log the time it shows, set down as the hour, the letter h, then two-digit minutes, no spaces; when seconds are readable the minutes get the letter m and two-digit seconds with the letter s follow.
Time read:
11h30
